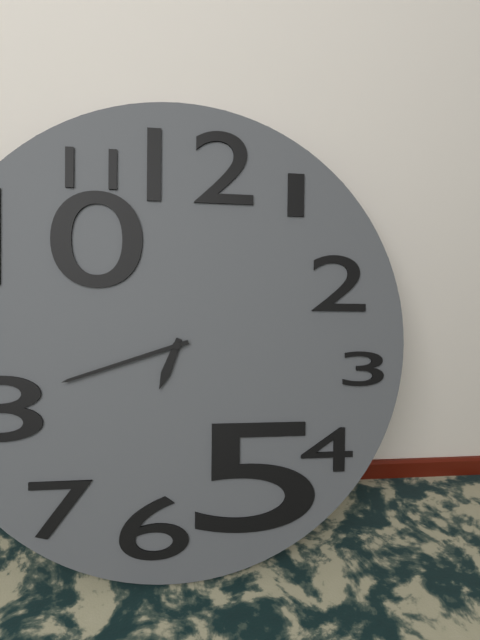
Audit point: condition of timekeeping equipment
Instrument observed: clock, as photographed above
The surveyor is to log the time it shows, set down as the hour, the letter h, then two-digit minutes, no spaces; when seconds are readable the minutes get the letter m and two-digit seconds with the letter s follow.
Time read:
6h42
